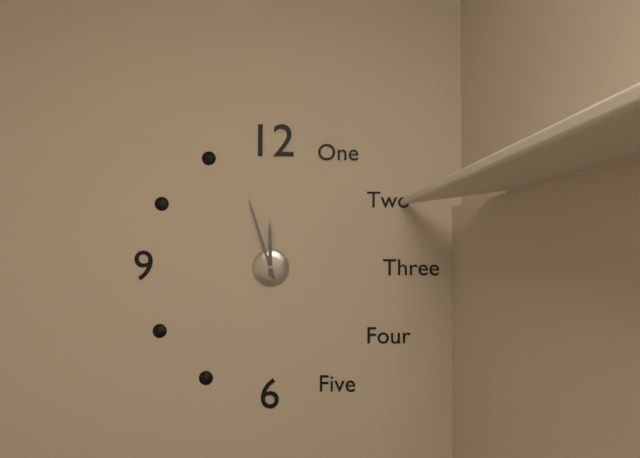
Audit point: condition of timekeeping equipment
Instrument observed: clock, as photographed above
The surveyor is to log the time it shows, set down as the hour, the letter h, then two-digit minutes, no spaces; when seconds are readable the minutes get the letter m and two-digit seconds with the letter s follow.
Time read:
11h57
